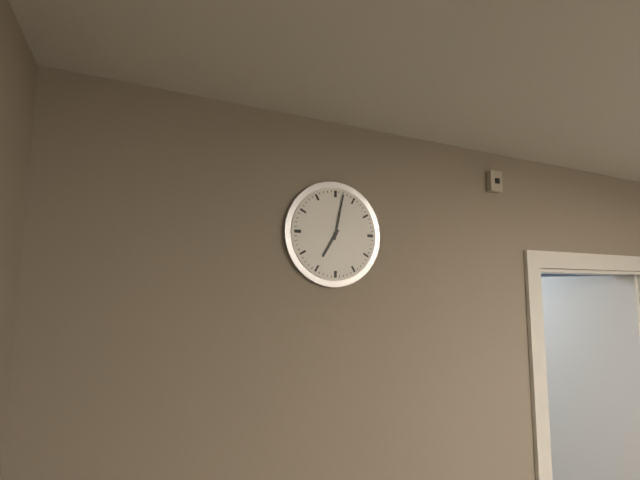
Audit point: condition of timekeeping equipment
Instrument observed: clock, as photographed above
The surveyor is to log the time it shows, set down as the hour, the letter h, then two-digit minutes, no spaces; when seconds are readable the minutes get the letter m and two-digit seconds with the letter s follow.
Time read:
7h02
